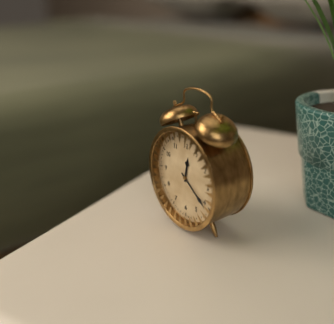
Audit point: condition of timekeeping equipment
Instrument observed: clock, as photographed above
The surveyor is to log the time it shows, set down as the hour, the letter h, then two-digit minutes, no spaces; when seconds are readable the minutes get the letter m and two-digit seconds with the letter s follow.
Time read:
12h21
